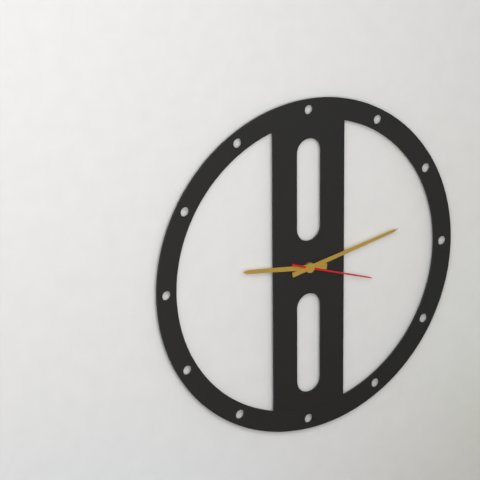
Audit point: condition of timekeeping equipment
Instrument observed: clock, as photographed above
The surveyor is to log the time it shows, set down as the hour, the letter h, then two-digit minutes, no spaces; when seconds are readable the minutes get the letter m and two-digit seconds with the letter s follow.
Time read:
9h13m18s
